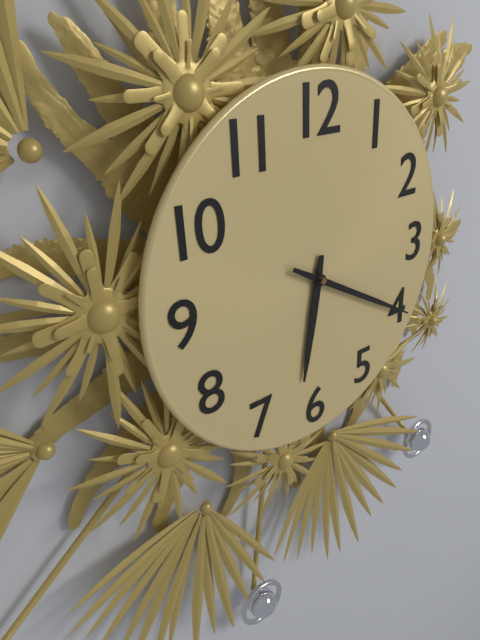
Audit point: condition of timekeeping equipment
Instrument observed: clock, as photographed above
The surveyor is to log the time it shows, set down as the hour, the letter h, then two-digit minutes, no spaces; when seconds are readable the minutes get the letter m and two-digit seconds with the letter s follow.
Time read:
6h20
